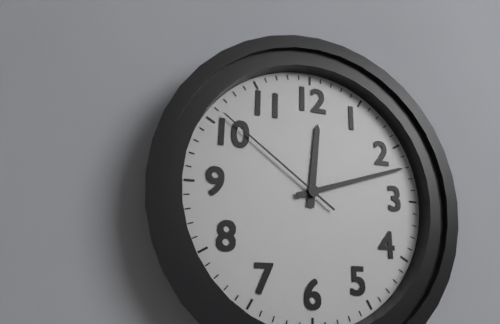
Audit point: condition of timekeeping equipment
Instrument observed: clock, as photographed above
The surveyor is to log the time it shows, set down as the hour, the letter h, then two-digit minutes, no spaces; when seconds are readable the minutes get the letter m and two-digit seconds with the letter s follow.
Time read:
12h12m51s
